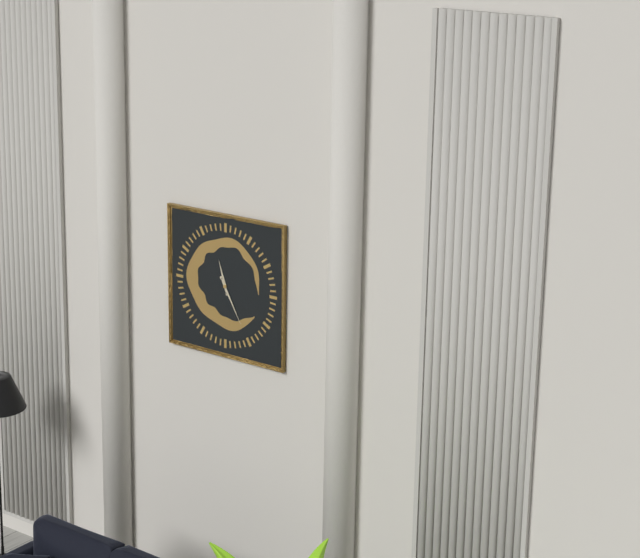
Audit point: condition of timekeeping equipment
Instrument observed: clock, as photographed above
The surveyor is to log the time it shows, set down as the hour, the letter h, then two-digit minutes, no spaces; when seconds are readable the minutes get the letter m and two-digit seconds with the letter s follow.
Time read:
11h25
